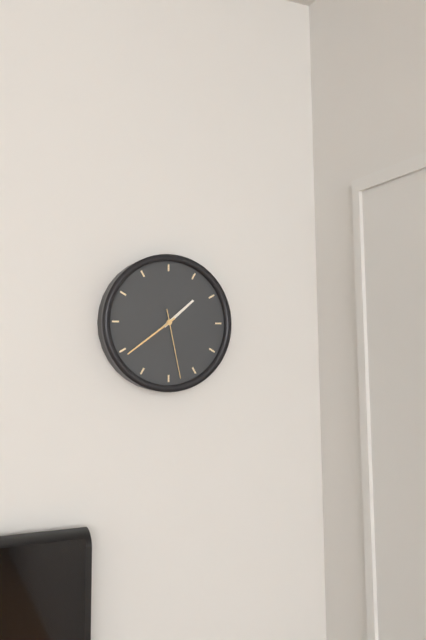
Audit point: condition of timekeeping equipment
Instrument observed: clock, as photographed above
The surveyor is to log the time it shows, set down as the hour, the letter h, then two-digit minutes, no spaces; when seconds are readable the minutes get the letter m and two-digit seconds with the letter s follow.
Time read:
1h39m28s
